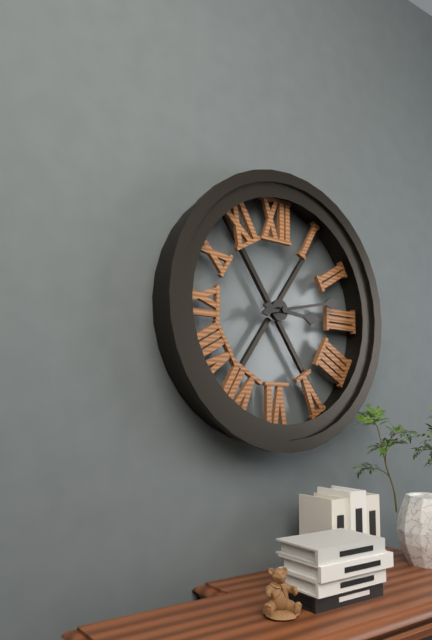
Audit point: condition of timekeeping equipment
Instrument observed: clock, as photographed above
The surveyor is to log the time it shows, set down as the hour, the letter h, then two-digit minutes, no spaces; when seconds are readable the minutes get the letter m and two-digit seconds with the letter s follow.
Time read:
3h13
